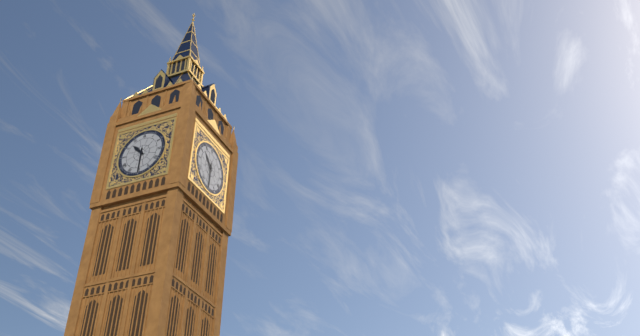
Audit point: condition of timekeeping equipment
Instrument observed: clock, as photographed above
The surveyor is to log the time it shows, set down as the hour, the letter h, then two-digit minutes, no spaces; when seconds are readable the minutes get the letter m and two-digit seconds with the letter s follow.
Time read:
10h30
